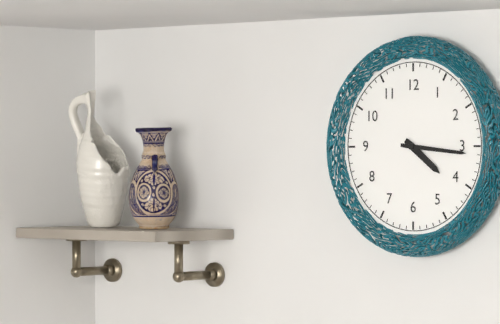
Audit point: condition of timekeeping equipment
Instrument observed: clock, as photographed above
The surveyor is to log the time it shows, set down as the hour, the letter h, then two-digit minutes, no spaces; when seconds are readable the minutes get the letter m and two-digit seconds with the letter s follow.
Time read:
4h16
